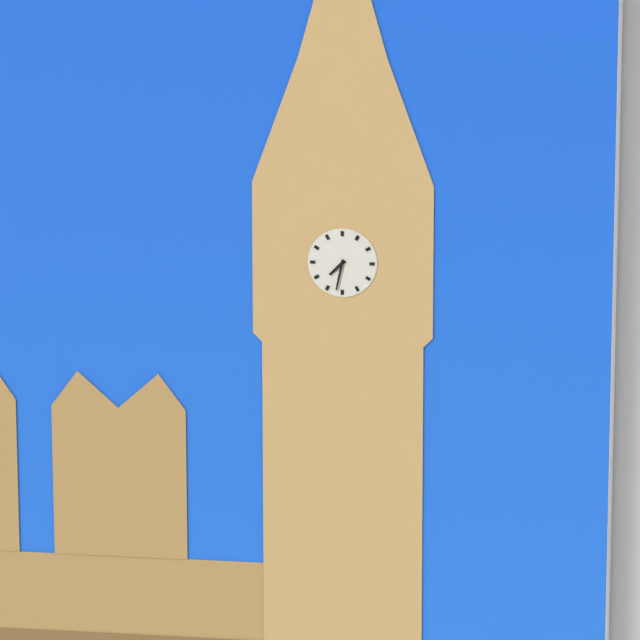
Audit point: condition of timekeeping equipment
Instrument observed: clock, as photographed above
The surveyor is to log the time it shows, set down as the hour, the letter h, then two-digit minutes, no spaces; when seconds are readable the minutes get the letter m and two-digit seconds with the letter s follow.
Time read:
7h32
